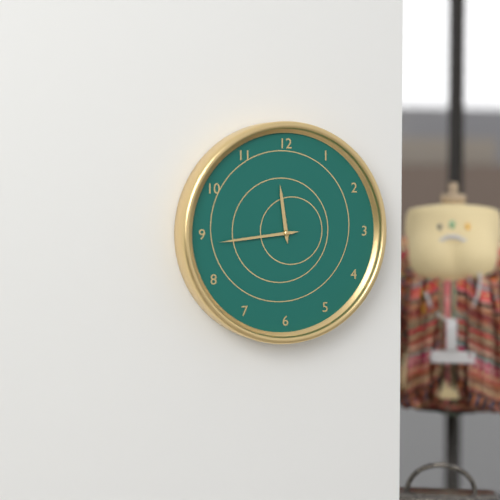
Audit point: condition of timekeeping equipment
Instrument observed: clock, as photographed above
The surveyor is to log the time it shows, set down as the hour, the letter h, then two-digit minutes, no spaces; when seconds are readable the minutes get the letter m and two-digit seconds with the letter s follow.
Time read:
11h44
